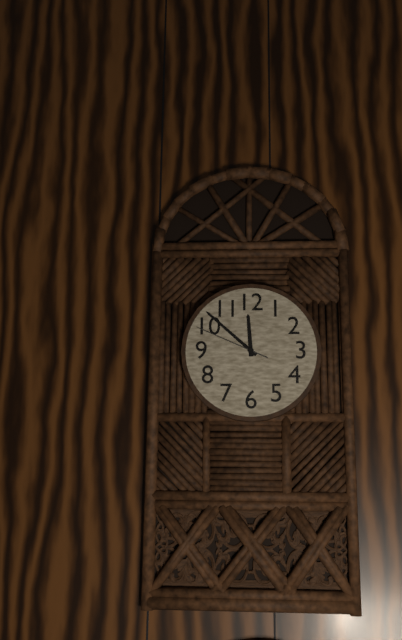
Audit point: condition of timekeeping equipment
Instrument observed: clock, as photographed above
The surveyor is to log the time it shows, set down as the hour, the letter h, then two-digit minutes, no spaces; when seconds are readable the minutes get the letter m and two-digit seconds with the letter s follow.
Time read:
11h52m49s
